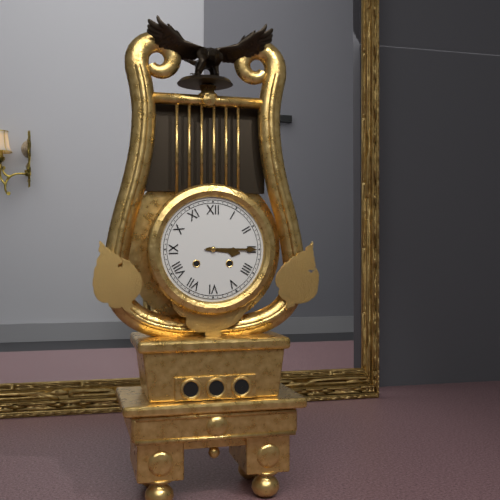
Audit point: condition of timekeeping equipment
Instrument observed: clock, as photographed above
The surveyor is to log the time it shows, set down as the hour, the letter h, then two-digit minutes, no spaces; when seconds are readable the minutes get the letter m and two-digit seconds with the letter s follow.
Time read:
3h15
